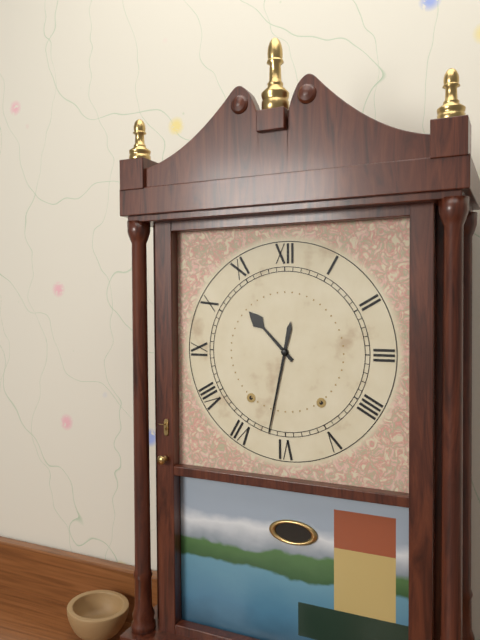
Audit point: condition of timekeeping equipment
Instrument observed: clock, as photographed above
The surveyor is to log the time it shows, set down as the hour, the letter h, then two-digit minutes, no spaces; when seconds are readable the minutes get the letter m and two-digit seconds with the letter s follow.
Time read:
10h32
